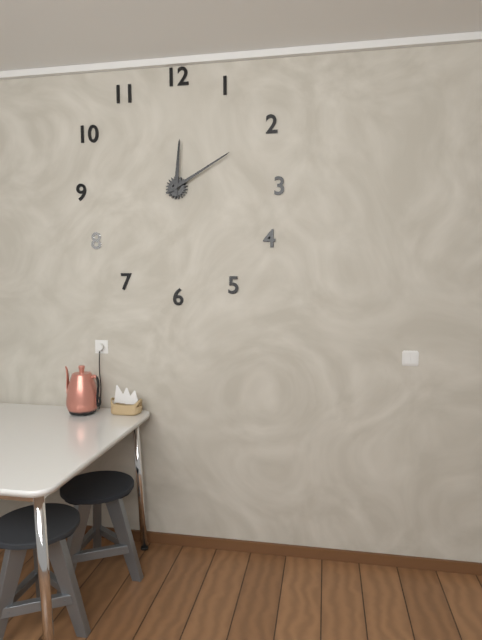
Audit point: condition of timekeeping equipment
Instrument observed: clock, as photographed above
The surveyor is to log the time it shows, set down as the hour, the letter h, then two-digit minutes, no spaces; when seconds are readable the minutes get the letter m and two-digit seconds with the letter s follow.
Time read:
12h10
